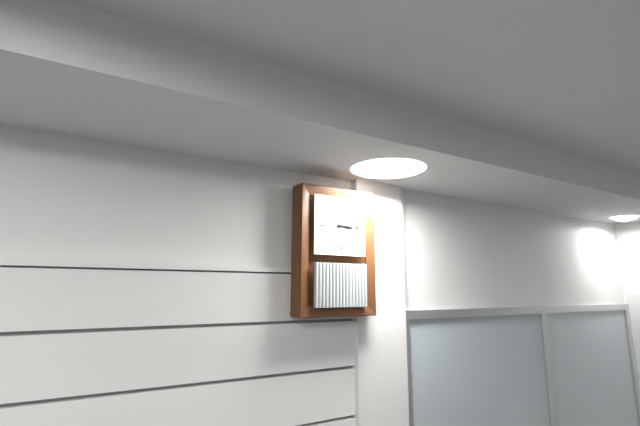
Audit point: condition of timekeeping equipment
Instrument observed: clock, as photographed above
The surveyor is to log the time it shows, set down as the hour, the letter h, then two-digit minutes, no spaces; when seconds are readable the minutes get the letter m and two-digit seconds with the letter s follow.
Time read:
3h15
